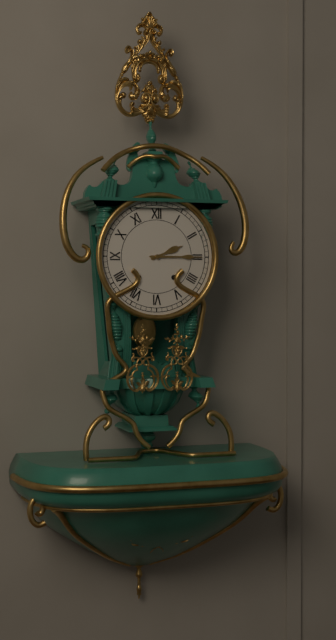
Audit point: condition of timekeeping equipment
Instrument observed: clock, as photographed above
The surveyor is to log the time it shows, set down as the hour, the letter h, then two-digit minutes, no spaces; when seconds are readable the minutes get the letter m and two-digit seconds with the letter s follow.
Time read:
2h15
